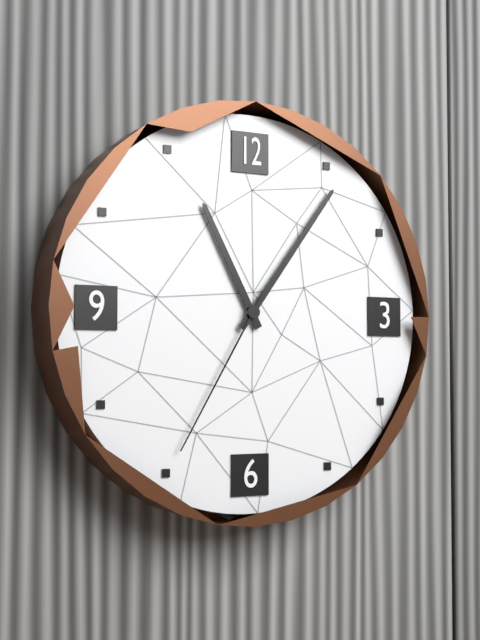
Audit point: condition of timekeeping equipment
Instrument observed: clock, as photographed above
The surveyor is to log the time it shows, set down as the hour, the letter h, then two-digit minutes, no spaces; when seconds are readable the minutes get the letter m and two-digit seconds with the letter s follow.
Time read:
11h06m35s
